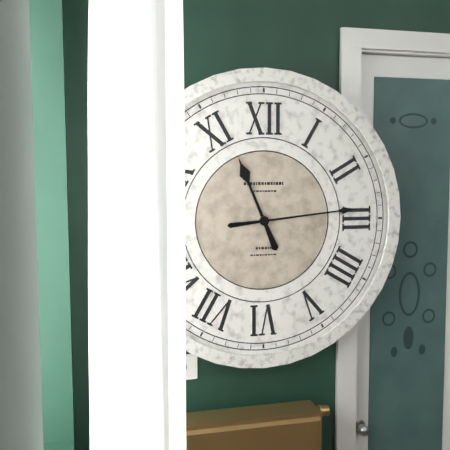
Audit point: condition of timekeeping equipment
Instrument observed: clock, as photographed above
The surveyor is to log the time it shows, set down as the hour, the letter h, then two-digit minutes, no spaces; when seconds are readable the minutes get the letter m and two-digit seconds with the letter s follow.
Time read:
11h14
